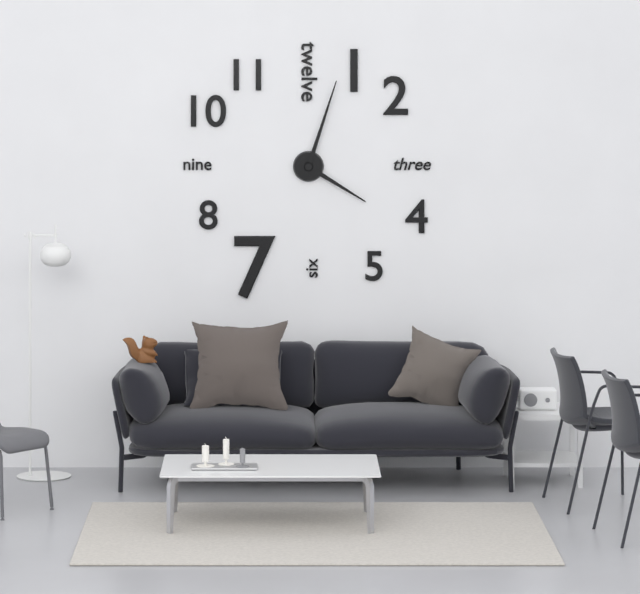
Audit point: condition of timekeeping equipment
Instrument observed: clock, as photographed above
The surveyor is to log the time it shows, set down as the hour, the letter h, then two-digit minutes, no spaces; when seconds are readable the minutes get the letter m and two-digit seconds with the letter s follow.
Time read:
4h03
